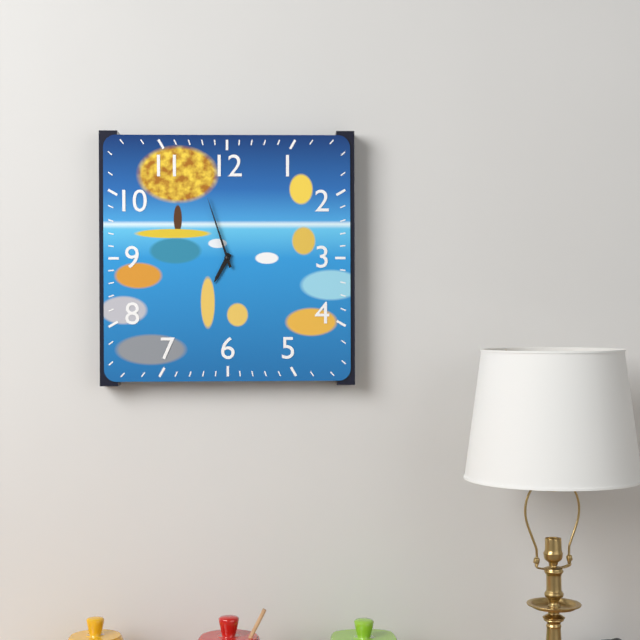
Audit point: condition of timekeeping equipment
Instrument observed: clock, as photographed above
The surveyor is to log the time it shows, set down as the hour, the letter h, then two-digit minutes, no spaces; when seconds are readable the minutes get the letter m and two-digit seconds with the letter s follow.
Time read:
6h57
